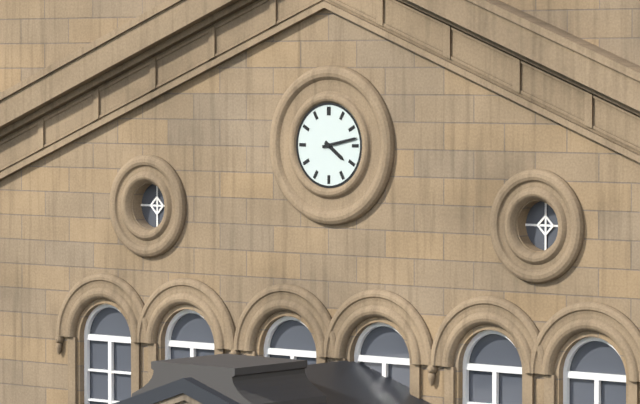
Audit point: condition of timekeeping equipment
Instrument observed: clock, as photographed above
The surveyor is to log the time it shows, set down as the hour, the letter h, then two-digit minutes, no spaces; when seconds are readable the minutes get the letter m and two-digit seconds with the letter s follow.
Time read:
4h13
